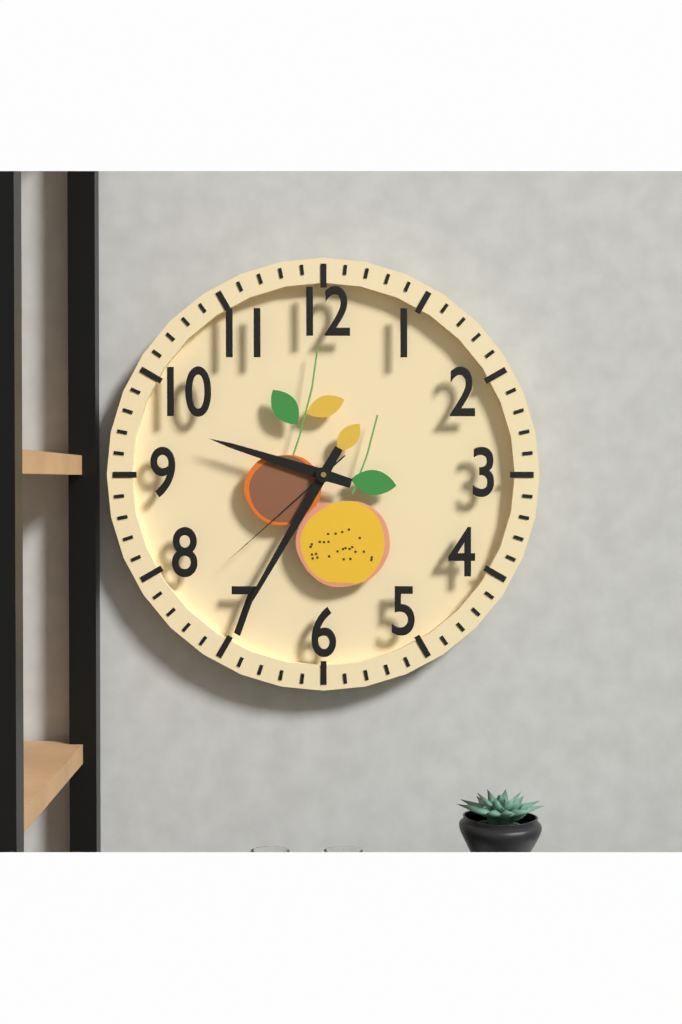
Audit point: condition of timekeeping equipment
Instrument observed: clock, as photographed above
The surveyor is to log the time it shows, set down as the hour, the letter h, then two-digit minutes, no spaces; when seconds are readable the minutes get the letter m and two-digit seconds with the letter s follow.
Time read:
9h35m38s
